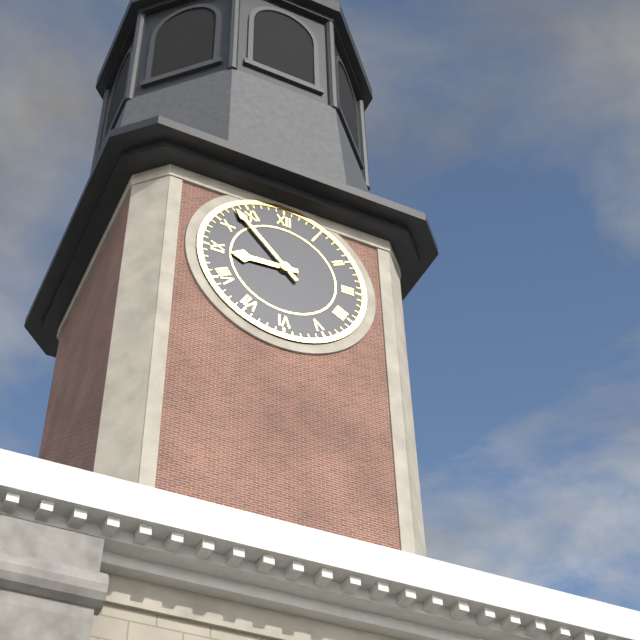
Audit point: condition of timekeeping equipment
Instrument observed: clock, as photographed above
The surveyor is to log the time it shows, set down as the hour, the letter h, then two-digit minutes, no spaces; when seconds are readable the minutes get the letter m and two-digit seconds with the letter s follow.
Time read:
8h53
